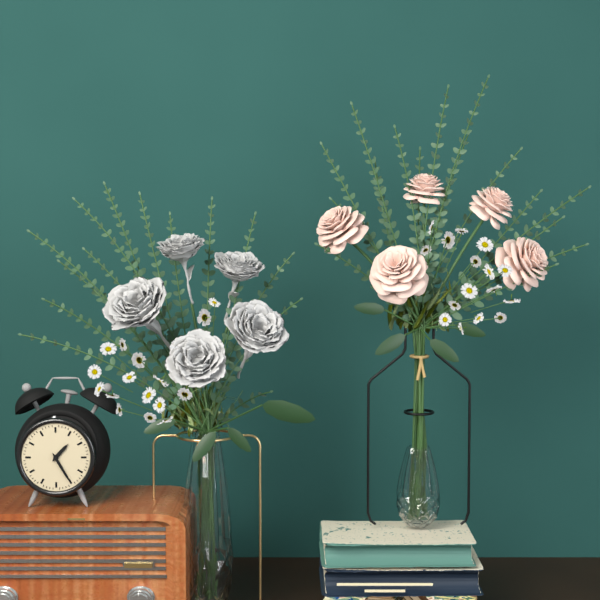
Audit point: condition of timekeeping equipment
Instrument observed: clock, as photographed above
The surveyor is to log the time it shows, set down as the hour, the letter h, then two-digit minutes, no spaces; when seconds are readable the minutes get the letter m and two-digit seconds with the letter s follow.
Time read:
1h25
